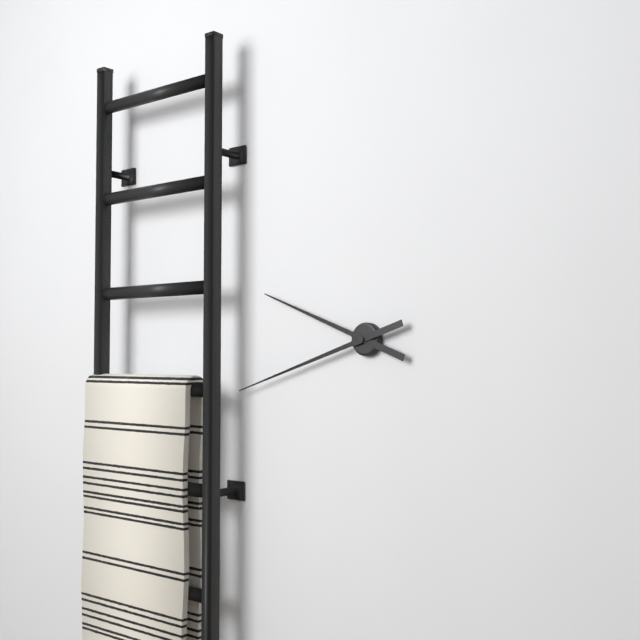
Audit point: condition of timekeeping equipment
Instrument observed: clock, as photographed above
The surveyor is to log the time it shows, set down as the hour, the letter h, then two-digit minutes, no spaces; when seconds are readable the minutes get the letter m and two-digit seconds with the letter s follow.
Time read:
9h42
